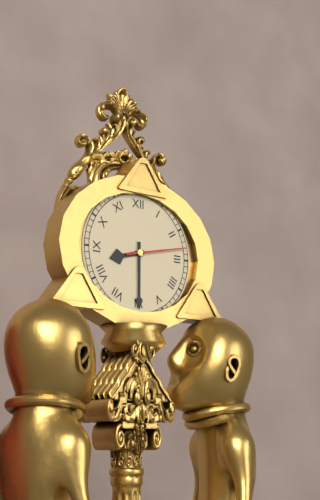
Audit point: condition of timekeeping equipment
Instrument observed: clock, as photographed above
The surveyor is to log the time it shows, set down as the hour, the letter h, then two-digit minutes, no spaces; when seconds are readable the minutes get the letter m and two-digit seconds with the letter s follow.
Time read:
8h30m13s
